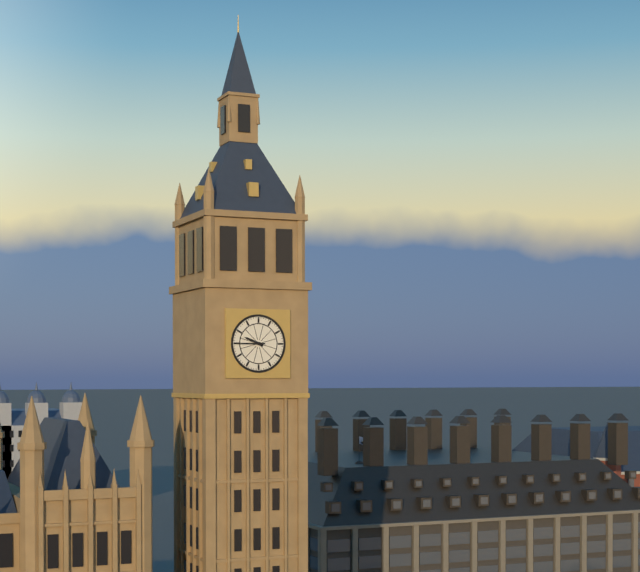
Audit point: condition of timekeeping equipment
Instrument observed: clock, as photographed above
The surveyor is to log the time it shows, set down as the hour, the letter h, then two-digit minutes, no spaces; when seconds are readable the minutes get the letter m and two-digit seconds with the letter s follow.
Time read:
9h45
